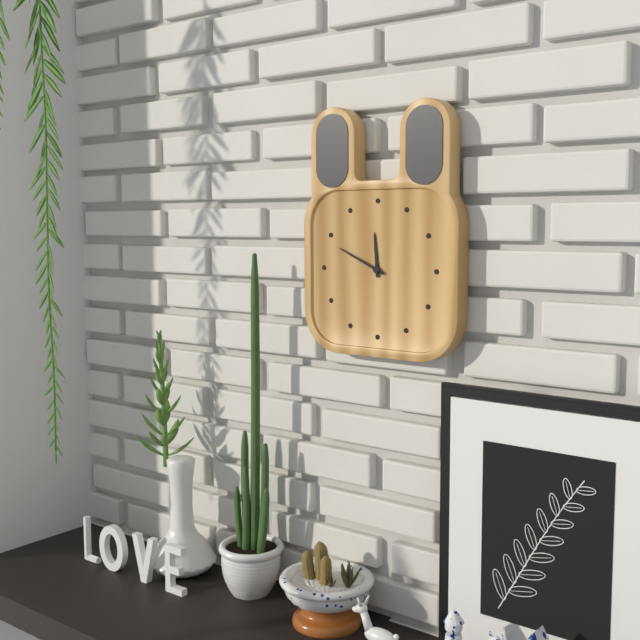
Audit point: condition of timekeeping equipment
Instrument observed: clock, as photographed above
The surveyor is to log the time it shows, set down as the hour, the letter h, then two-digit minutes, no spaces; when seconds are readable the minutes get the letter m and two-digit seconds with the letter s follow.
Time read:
11h49
